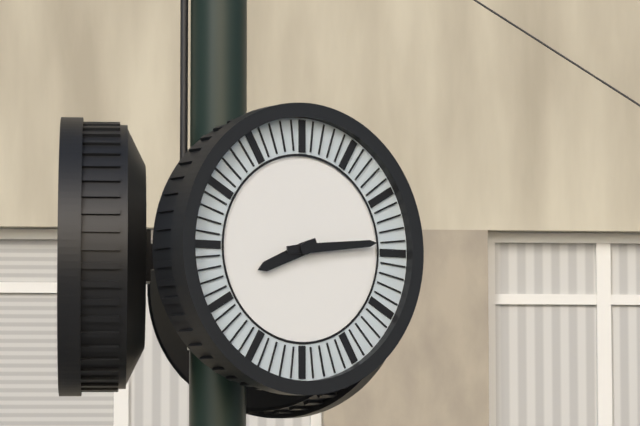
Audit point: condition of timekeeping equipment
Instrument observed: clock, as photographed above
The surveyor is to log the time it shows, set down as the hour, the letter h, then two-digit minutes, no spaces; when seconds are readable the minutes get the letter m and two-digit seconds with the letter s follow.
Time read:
8h14
